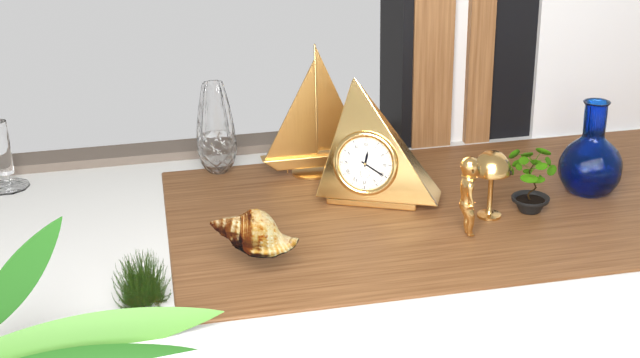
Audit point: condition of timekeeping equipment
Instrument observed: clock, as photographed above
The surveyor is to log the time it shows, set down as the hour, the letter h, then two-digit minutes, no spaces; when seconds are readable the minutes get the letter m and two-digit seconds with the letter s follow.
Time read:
12h20
